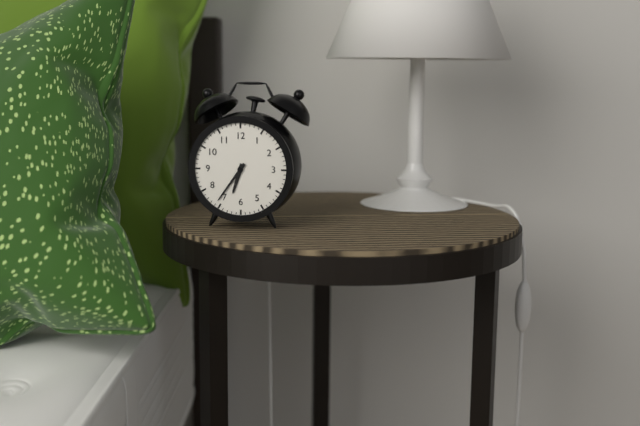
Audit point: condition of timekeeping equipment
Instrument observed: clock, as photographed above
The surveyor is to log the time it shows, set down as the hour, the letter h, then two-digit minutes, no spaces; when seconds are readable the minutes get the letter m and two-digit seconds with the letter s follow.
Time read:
6h36
